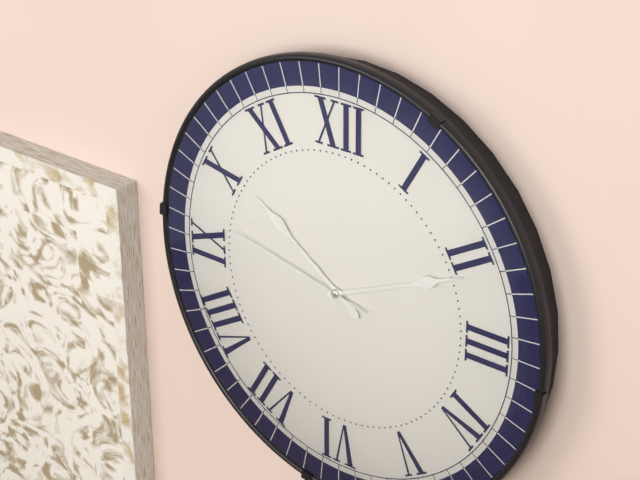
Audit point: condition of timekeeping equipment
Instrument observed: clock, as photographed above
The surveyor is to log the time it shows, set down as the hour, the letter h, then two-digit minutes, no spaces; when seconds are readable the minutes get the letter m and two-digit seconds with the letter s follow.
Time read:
10h11m47s
